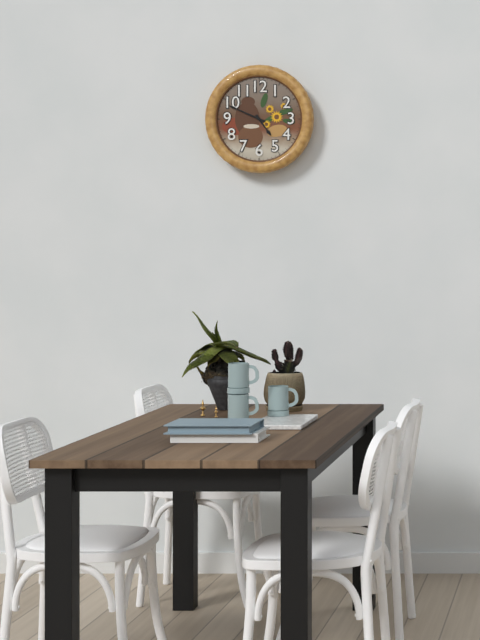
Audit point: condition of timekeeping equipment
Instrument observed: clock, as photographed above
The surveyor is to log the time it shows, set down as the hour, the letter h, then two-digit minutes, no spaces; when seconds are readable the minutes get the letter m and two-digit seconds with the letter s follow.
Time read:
4h49
